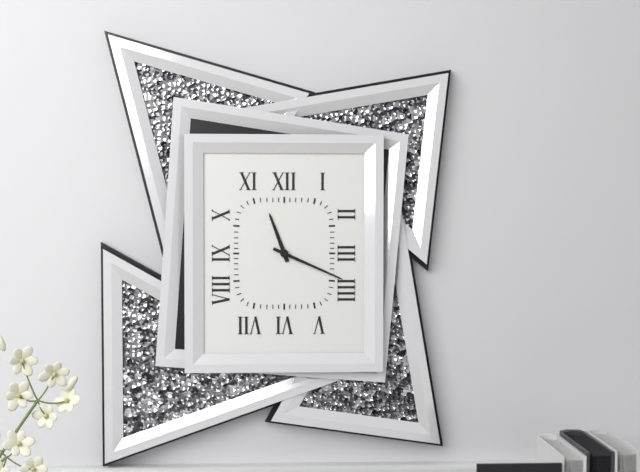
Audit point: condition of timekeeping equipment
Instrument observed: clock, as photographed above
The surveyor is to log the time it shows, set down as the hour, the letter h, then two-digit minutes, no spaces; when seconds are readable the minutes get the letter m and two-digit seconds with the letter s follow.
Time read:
11h19
